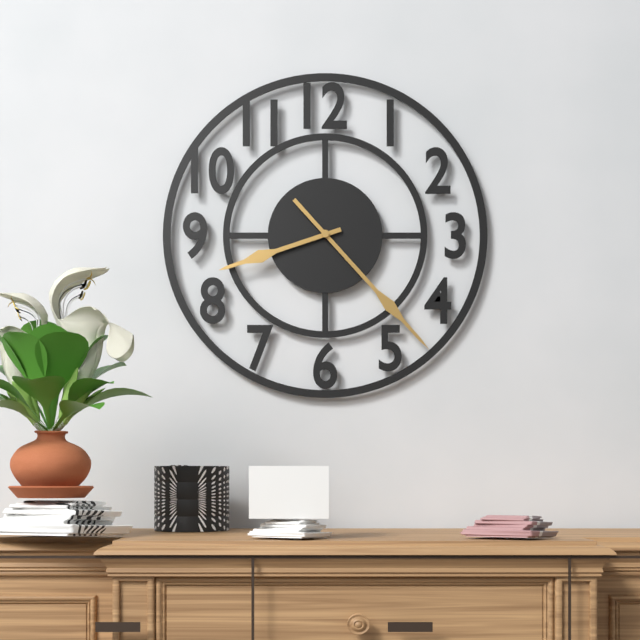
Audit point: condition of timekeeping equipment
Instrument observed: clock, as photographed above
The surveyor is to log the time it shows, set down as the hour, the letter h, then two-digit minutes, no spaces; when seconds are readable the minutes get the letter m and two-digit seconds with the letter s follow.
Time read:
8h23
